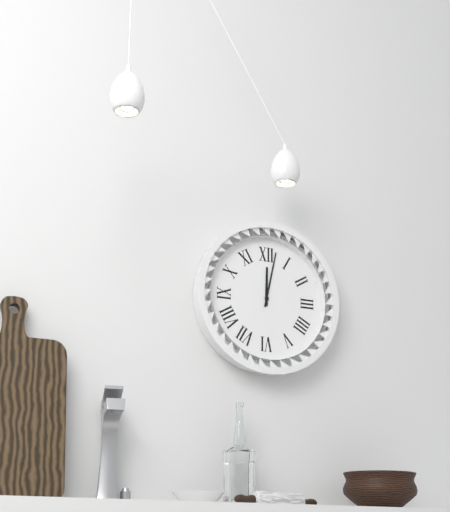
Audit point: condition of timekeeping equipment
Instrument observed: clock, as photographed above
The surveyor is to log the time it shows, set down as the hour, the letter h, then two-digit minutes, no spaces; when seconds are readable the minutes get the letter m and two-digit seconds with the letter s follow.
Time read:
12h02
